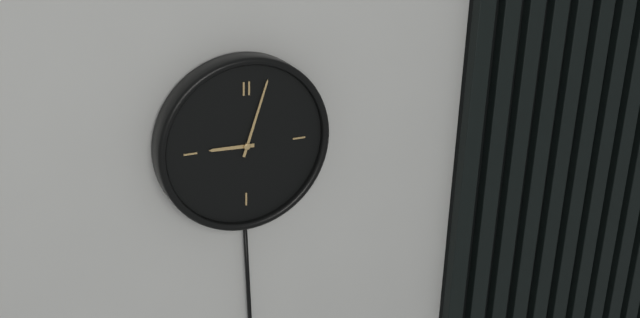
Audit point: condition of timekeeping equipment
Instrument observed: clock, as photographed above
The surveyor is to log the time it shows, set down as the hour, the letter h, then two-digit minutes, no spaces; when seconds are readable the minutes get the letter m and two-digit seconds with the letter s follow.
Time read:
9h03
